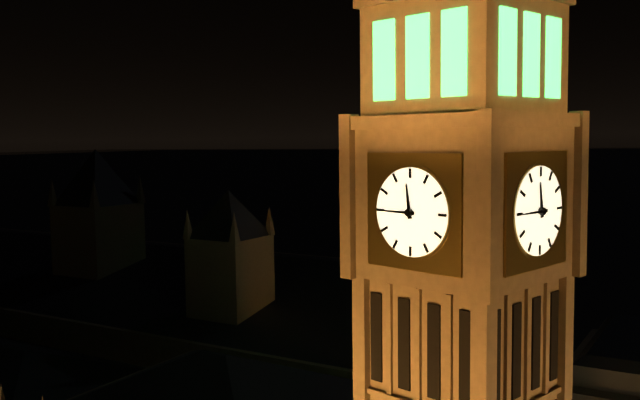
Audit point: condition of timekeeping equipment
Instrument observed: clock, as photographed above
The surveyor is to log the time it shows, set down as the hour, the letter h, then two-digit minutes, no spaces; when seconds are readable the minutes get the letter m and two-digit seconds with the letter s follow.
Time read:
11h45
